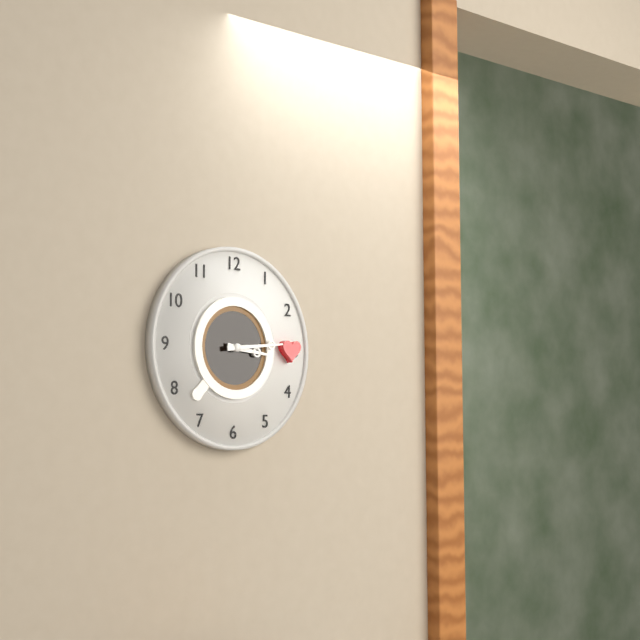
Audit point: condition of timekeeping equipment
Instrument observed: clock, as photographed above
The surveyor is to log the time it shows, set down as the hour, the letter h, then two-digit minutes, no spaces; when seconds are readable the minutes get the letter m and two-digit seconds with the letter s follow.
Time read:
3h14
